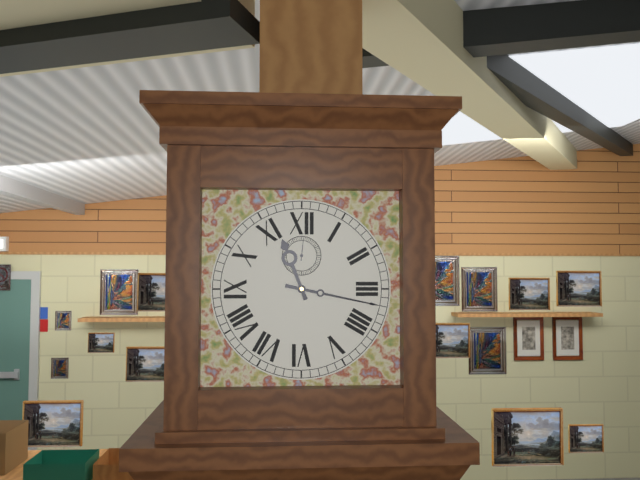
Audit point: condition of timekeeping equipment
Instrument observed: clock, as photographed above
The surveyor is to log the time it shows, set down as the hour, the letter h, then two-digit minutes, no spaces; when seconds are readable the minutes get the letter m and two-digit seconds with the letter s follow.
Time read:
11h17
